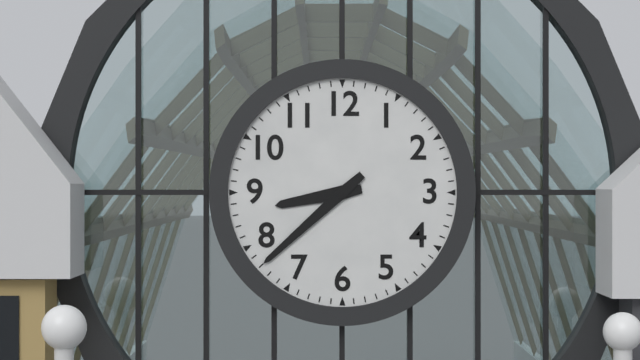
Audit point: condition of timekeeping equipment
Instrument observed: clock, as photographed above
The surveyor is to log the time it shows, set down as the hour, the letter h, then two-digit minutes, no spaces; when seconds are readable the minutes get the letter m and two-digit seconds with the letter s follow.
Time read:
8h38
